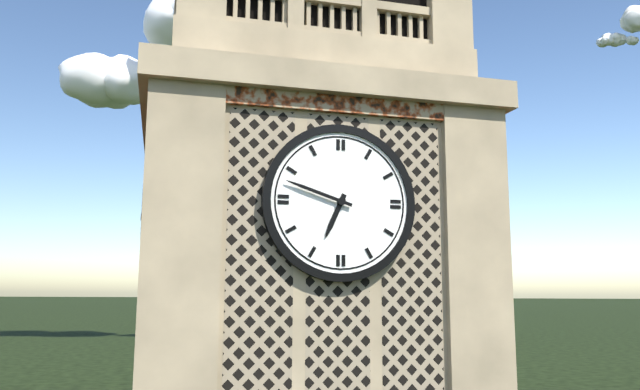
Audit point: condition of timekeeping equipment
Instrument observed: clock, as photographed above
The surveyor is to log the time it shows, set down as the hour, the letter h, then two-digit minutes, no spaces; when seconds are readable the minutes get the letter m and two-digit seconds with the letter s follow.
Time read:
6h48
